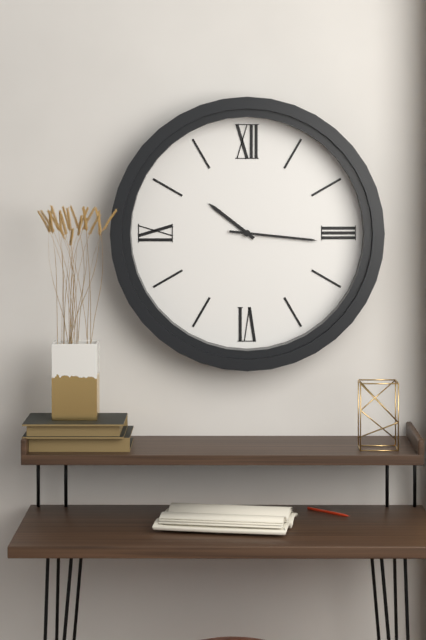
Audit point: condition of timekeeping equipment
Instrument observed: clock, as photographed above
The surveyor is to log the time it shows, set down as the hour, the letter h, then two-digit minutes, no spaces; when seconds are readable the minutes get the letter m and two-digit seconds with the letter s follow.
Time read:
10h16
